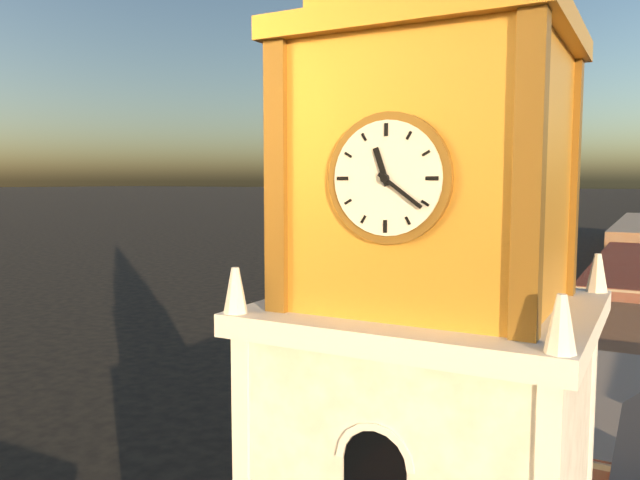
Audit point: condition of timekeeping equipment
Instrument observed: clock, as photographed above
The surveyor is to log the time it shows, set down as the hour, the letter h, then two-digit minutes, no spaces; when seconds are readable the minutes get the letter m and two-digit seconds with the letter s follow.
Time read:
11h21
